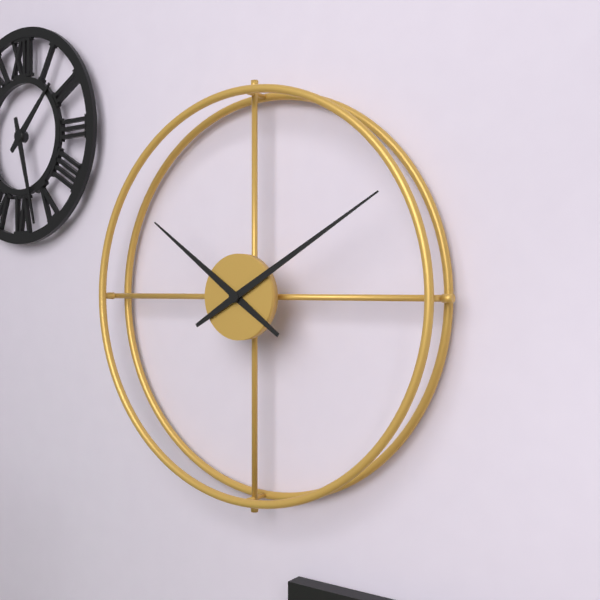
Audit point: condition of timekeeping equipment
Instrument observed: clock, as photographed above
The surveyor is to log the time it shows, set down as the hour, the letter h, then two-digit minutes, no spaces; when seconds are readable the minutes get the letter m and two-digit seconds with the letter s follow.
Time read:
10h10
